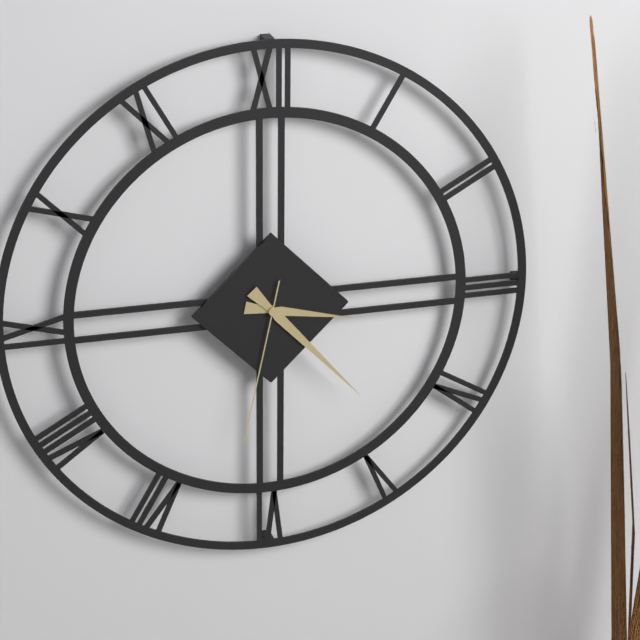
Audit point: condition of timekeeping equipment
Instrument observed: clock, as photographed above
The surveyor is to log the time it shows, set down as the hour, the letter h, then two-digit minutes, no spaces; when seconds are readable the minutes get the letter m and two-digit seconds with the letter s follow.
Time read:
3h23m32s
